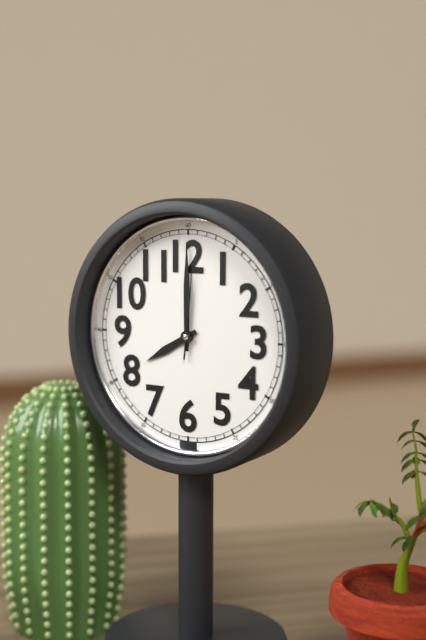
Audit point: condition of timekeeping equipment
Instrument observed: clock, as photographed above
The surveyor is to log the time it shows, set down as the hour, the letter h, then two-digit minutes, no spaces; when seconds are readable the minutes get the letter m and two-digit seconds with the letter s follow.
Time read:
8h00m01s
